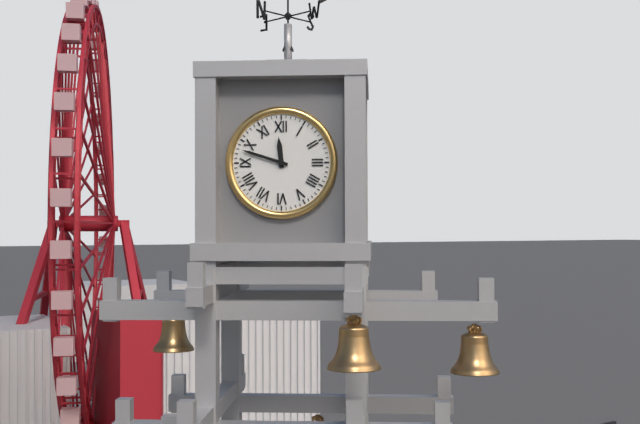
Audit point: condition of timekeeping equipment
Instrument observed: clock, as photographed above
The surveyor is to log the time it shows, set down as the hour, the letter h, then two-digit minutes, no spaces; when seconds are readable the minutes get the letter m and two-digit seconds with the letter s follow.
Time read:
11h48
